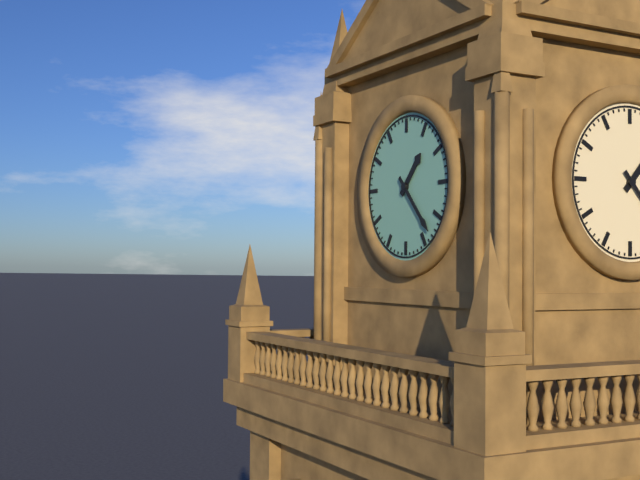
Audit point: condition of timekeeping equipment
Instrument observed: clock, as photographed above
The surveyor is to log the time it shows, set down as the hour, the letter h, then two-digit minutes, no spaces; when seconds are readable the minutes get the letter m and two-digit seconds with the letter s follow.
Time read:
1h23
